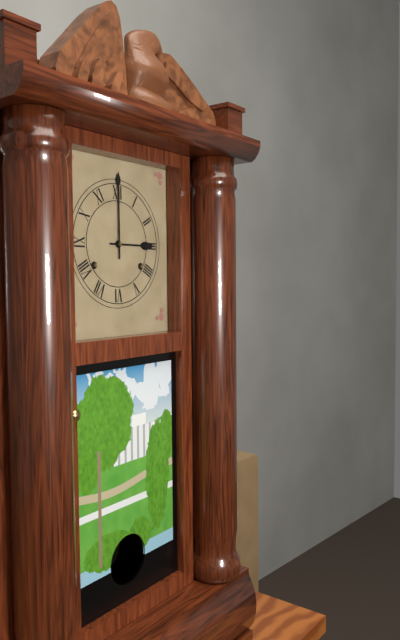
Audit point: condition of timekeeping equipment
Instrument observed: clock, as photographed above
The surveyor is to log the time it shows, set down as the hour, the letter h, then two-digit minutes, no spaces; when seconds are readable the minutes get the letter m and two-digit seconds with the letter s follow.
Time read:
3h00
